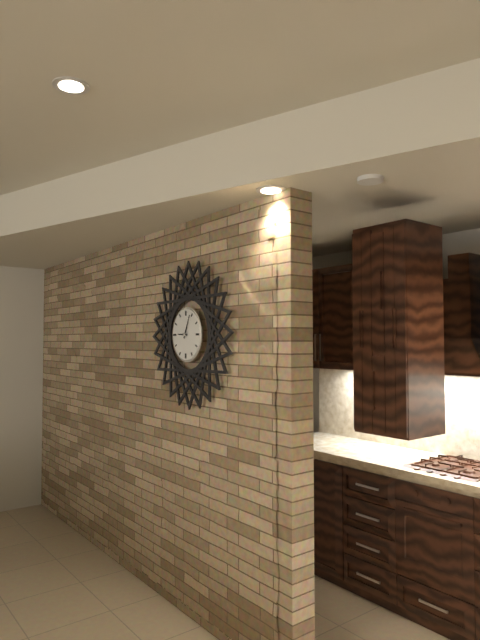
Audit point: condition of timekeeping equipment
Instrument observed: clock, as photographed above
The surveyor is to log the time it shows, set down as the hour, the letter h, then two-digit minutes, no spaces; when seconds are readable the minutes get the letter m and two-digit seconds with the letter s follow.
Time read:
9h04
